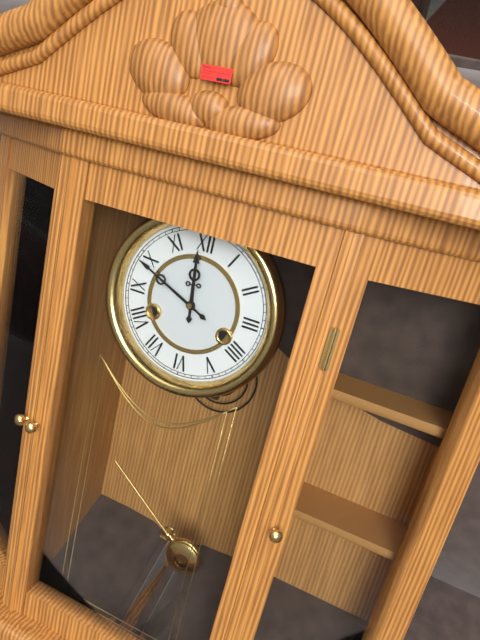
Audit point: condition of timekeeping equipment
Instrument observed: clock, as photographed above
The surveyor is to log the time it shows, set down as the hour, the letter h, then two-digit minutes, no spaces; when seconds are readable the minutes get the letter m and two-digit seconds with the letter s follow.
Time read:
11h49
